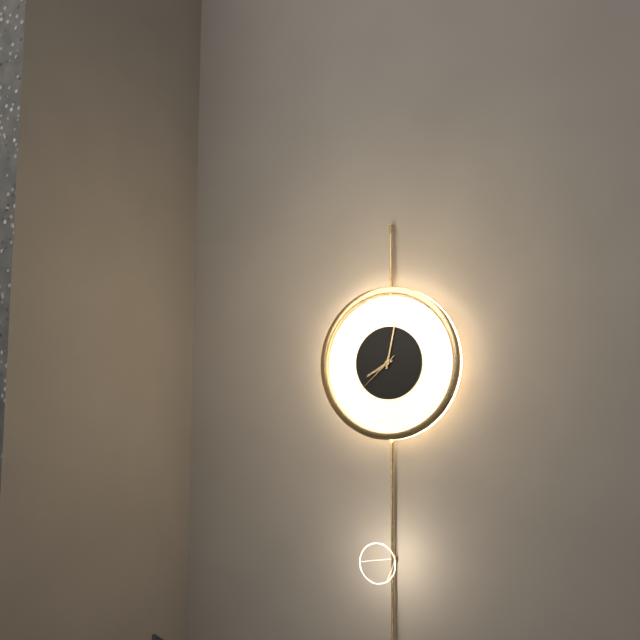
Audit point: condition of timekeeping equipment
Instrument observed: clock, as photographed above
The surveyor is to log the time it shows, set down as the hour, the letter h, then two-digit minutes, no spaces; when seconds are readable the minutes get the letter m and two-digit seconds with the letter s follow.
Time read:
8h02
